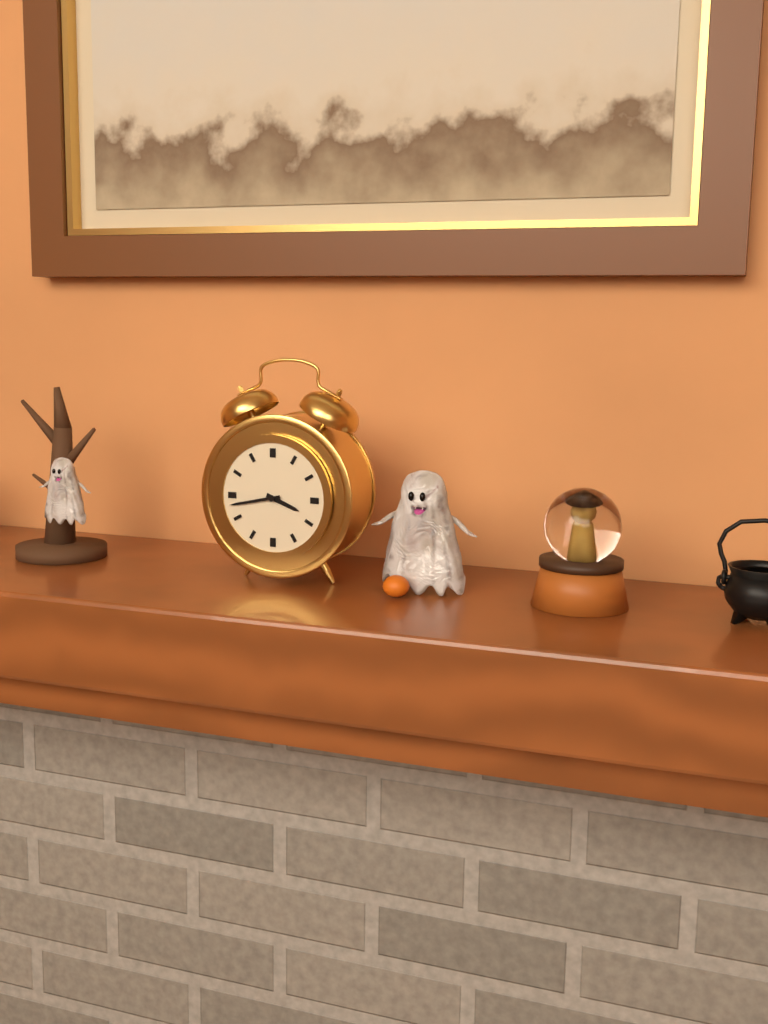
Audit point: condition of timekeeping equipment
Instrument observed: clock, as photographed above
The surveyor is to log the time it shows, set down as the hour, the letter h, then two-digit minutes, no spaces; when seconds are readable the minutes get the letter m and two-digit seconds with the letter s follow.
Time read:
3h43
